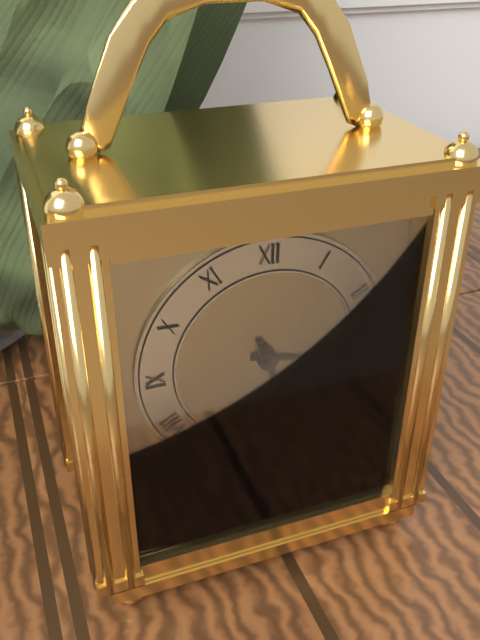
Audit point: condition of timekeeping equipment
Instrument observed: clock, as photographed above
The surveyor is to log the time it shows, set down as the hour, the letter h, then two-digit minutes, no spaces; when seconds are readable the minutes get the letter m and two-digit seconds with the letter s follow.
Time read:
3h27
